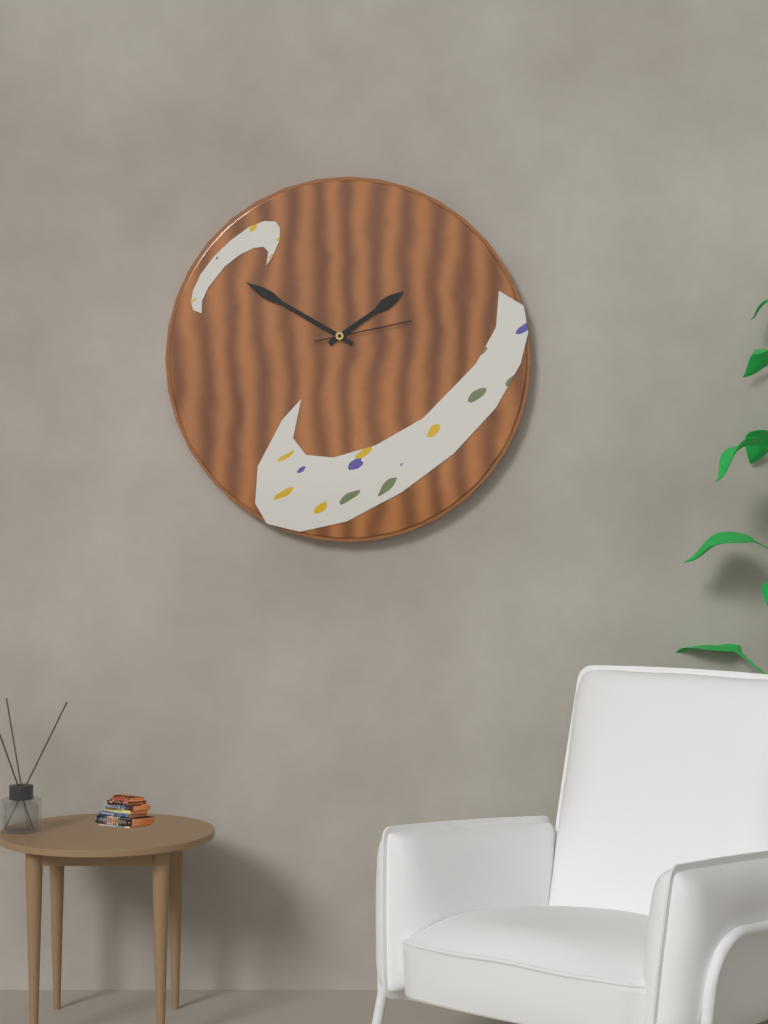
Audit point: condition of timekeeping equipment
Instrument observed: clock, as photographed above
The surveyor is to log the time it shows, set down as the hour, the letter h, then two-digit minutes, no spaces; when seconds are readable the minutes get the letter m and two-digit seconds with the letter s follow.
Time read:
1h50m13s
